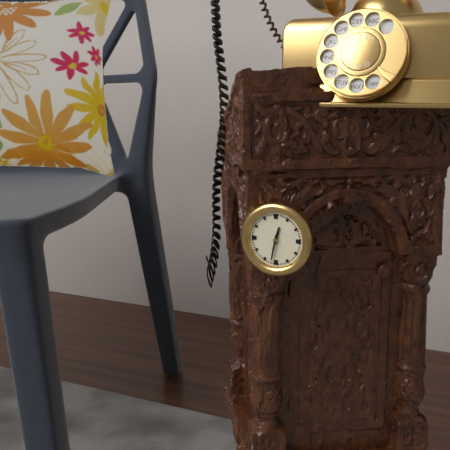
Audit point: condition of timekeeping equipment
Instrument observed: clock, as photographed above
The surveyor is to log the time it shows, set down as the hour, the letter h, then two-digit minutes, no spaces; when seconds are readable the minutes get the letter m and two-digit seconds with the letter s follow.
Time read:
12h32
